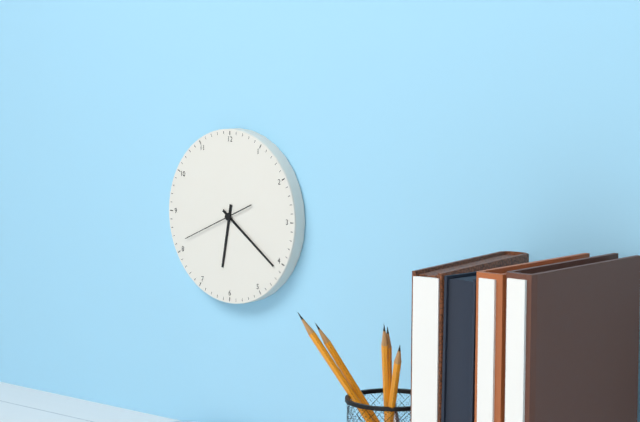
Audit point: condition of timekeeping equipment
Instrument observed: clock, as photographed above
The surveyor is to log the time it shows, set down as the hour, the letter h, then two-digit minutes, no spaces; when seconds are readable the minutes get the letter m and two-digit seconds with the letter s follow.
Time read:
6h21m41s
